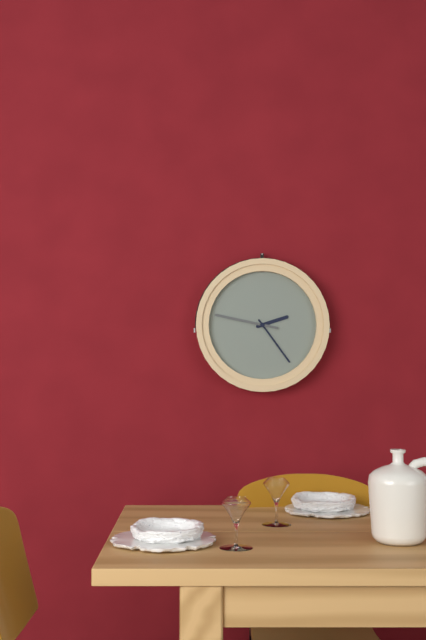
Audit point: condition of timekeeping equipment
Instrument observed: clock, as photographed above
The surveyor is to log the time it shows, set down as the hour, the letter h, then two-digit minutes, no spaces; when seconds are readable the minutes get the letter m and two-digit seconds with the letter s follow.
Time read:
2h24m47s
